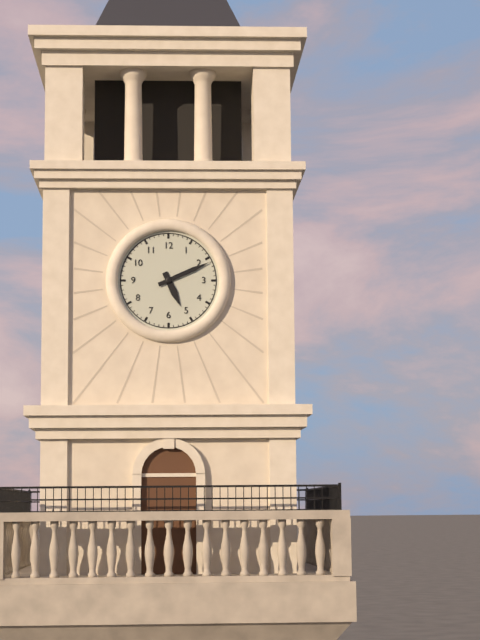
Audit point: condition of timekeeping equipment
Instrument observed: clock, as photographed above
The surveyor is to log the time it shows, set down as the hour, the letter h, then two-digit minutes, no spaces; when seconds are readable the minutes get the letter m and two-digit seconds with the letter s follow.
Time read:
5h11
